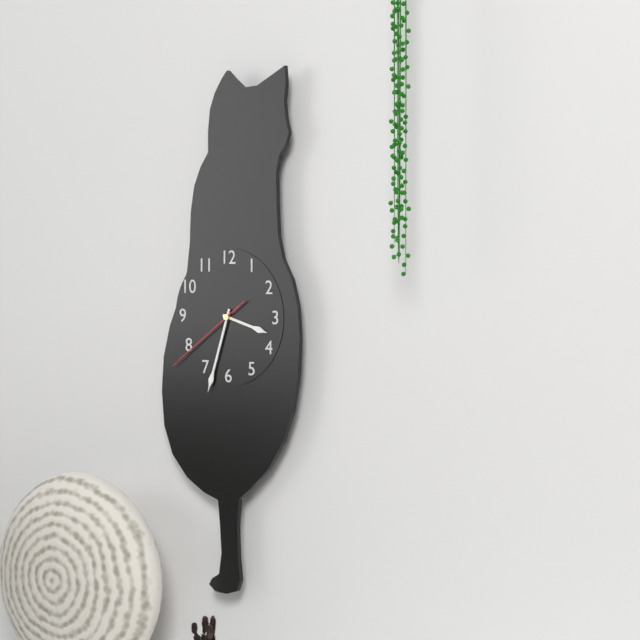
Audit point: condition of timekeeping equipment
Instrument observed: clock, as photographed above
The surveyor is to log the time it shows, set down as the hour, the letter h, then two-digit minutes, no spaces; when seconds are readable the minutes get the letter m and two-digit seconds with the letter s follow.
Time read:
3h33m39s
